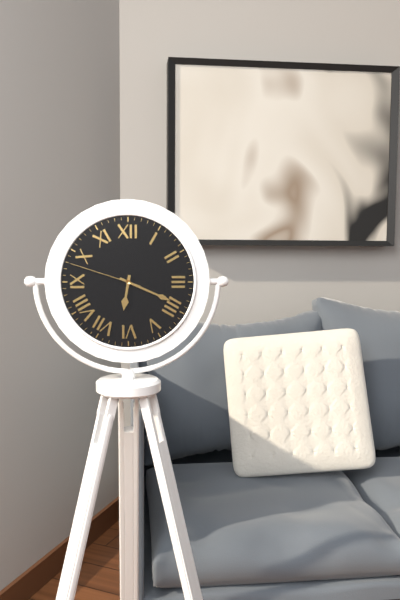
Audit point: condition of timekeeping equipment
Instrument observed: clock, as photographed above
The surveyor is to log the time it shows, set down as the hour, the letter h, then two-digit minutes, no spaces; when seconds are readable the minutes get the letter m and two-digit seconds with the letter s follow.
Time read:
6h19m48s
